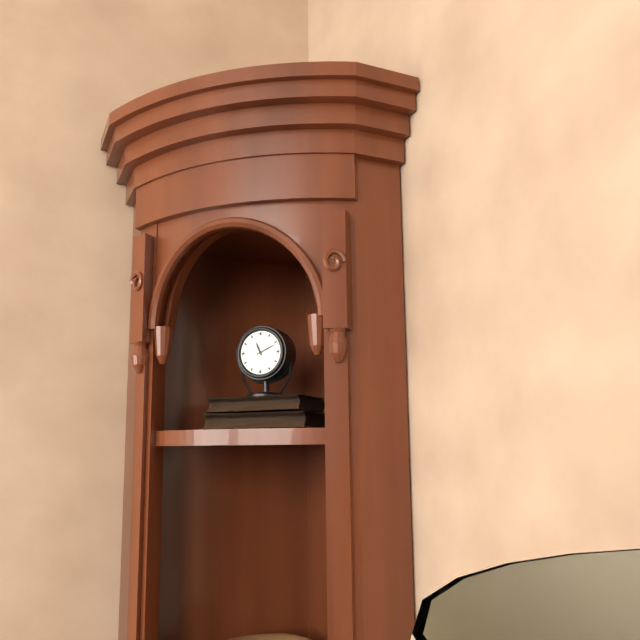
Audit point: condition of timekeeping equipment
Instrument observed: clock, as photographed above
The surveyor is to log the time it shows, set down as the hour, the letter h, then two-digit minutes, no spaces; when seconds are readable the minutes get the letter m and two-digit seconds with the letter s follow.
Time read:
11h11
